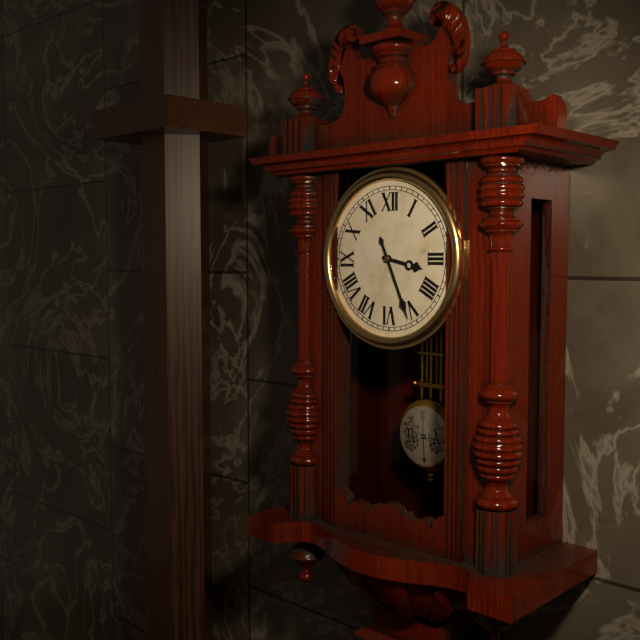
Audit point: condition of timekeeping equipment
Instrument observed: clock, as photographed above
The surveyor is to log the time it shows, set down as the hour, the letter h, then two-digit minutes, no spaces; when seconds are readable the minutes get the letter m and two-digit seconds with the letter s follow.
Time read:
3h26
